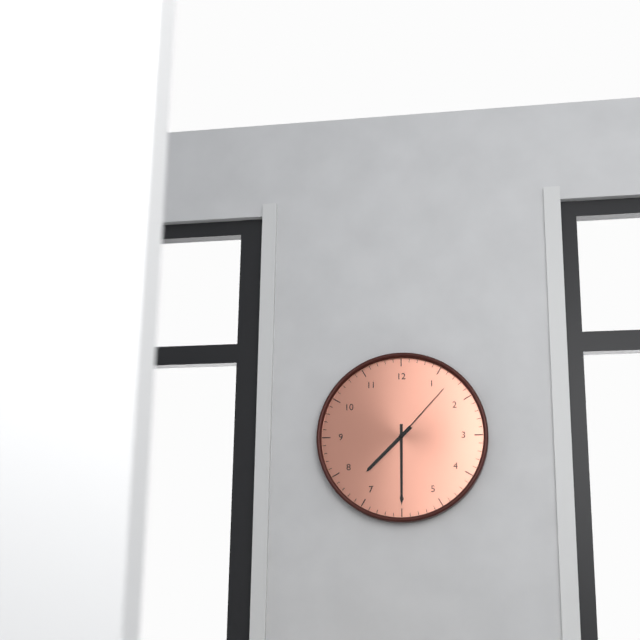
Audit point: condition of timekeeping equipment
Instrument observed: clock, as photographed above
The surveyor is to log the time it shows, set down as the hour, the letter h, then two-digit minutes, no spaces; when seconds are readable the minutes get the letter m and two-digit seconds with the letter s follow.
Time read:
7h30m07s
